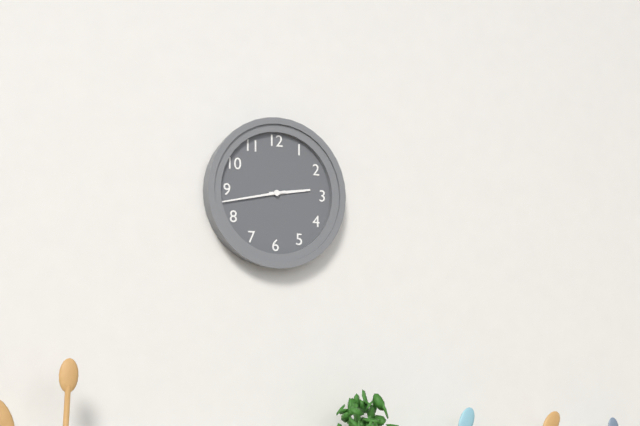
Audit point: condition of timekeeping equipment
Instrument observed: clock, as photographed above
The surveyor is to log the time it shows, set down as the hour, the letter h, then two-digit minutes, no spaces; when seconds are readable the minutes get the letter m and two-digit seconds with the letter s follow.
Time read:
2h43
